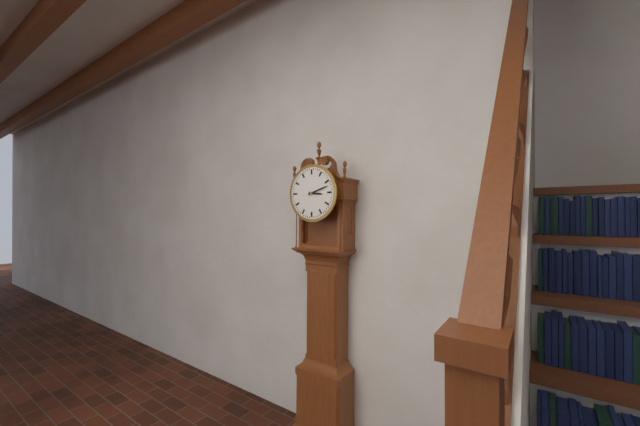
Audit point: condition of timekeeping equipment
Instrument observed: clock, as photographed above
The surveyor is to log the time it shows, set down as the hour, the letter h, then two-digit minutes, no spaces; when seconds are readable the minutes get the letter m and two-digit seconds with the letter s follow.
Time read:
3h12
